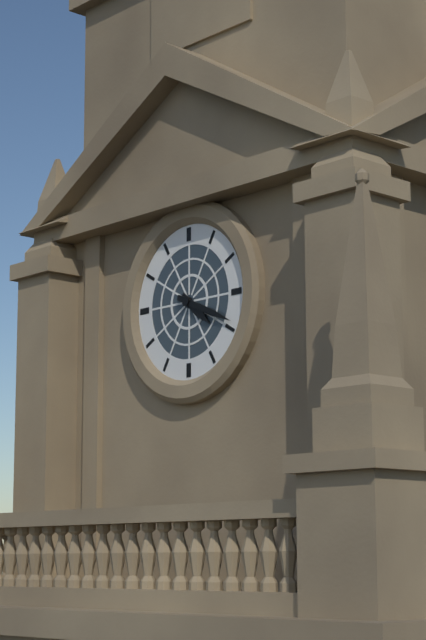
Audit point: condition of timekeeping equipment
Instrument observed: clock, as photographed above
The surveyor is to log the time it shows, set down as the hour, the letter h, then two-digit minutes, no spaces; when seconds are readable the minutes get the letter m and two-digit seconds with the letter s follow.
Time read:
4h19
